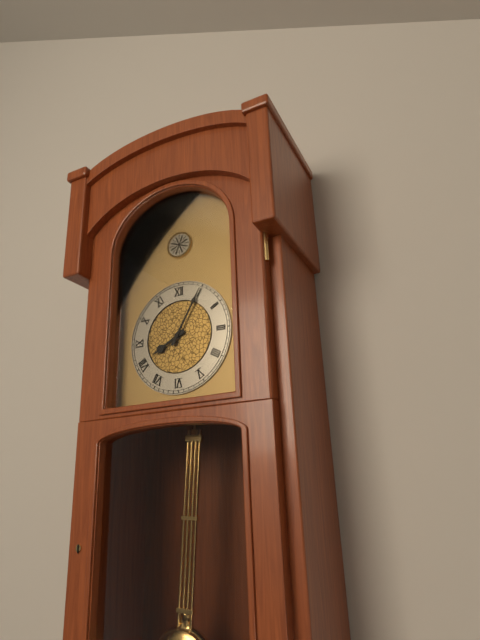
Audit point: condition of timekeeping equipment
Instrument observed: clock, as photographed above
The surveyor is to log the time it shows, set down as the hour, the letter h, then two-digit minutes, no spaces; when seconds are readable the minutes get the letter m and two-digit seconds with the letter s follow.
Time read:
8h05
